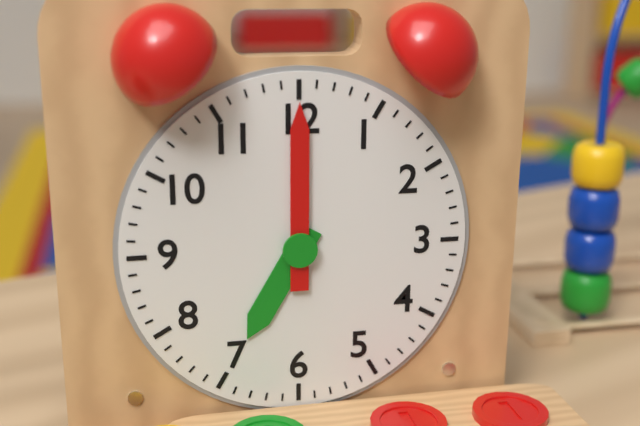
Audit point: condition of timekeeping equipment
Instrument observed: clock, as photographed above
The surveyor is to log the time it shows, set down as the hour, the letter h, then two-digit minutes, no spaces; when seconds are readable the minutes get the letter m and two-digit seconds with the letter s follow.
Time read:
7h00
